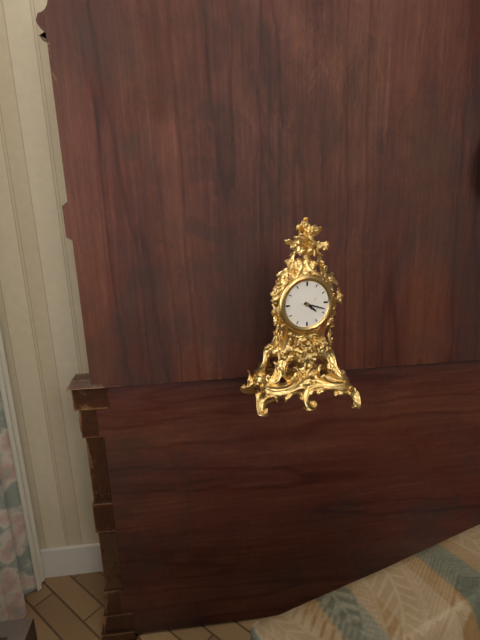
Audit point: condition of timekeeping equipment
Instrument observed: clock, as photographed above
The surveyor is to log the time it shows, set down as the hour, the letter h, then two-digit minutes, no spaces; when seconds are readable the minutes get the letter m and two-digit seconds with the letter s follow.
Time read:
4h18
